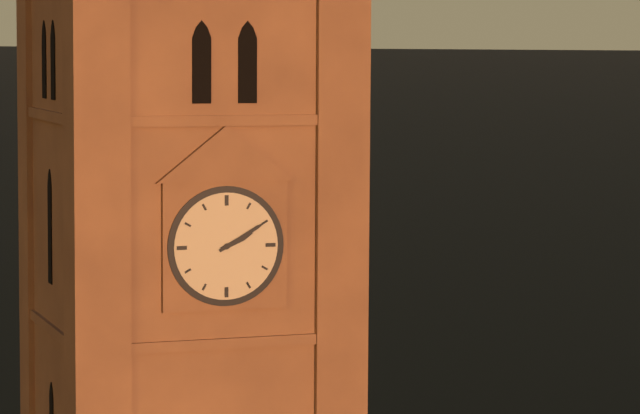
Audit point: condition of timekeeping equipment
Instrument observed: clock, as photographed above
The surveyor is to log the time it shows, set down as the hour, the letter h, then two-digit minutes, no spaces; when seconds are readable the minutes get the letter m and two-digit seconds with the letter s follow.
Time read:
2h10
